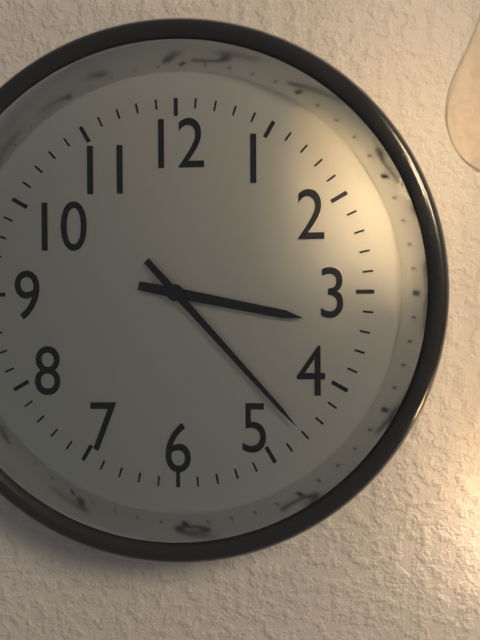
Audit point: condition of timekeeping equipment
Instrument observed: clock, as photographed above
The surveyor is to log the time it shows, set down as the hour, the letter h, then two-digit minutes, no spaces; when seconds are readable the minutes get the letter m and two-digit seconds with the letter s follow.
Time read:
3h23
